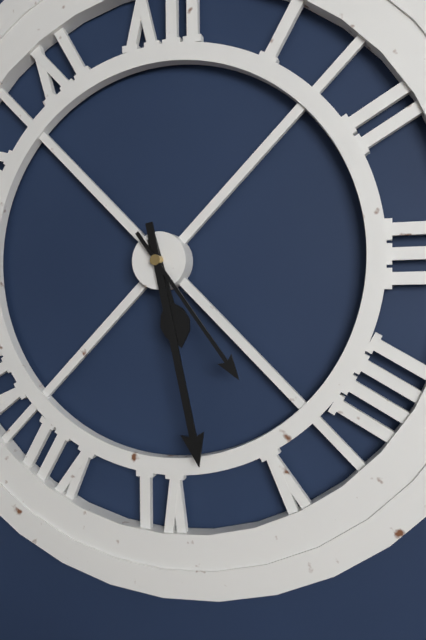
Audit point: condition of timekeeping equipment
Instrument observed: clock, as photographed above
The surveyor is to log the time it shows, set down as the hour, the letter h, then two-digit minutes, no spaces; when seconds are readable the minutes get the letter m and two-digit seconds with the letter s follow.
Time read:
5h28m24s
